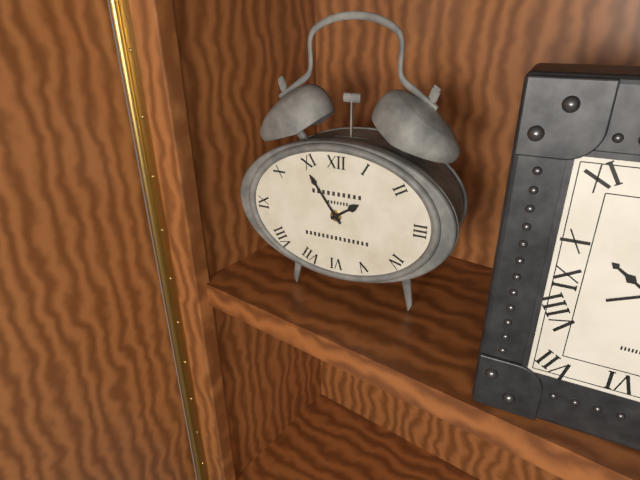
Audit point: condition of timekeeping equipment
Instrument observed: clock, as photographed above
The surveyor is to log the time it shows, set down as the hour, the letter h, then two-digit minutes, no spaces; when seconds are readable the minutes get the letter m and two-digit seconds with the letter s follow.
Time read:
1h54
